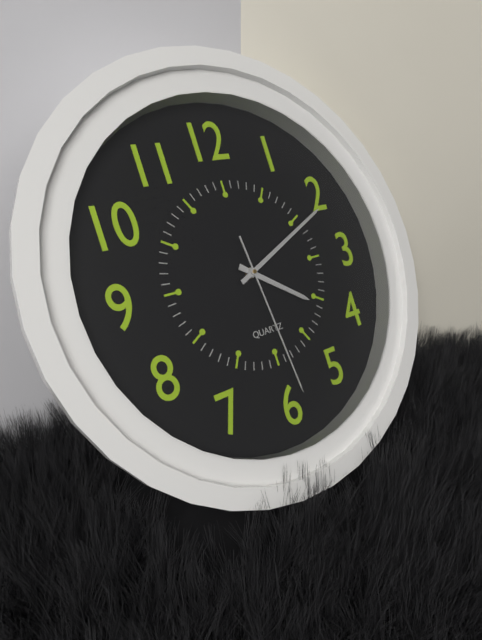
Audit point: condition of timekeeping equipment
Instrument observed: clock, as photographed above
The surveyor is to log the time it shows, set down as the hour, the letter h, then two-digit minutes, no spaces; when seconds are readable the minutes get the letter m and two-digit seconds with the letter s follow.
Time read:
4h11m29s
